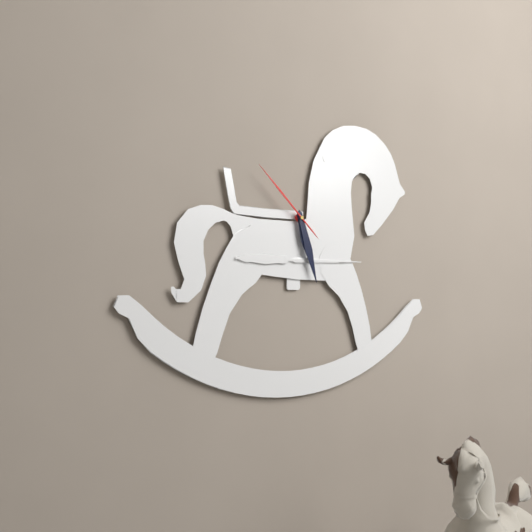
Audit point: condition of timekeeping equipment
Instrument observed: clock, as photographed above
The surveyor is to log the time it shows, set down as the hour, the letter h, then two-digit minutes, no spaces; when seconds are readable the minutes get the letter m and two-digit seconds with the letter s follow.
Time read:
5h27m52s
